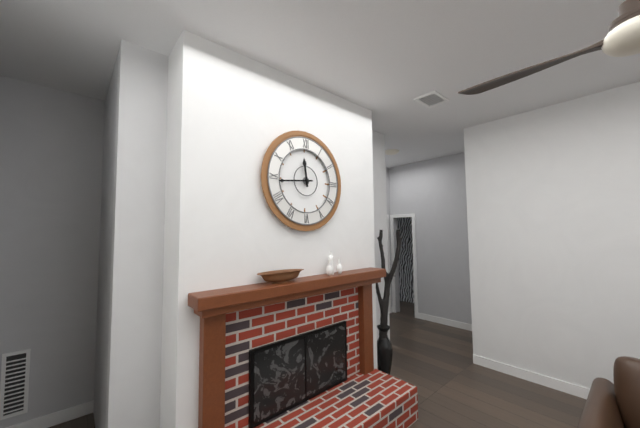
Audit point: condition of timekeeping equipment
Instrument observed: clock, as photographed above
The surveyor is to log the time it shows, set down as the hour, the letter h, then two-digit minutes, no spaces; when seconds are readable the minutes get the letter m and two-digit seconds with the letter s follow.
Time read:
11h44
